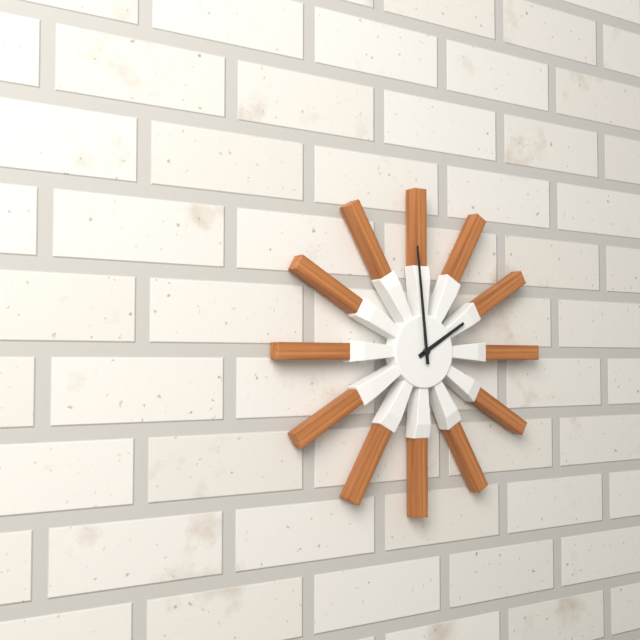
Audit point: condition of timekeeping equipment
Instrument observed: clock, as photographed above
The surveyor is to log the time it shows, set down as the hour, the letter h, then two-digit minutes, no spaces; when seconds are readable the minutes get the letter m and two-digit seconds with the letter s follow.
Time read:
1h59
